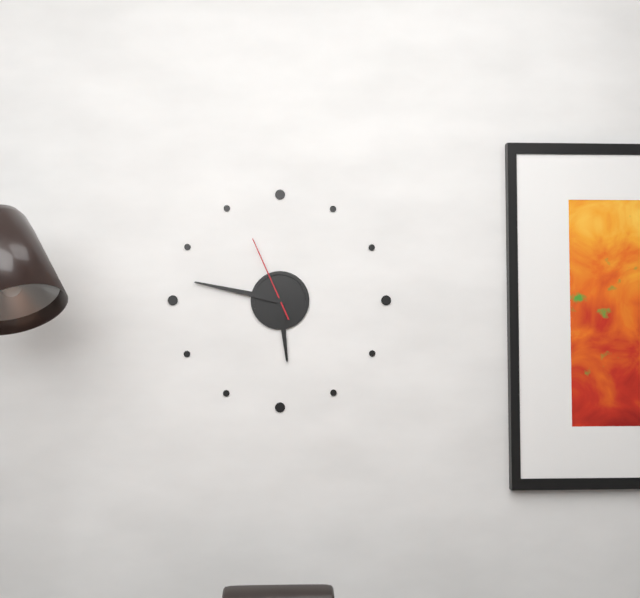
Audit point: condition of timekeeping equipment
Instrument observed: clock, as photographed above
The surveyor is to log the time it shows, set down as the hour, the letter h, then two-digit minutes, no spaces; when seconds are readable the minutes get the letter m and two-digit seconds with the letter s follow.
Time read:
5h47m56s
